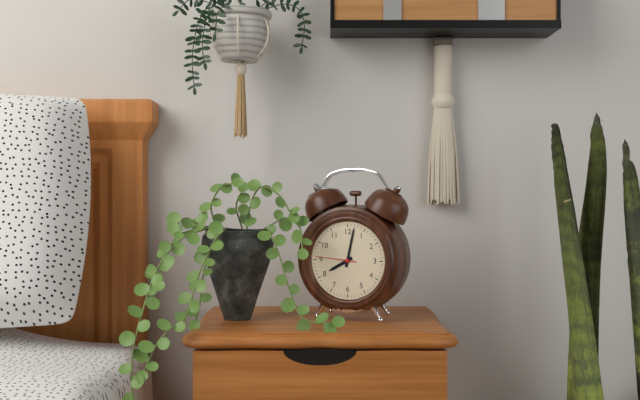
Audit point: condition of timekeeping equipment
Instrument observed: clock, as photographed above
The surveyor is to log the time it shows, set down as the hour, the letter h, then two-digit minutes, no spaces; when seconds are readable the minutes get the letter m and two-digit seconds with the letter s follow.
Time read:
8h02
